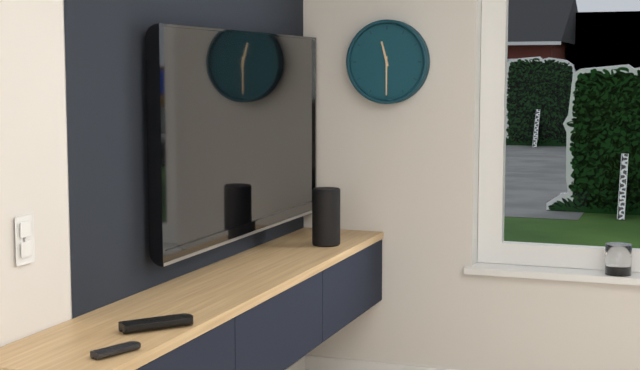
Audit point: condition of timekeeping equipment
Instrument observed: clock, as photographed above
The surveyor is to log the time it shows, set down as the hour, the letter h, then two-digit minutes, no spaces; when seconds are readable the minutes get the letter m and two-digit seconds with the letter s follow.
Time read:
11h30
